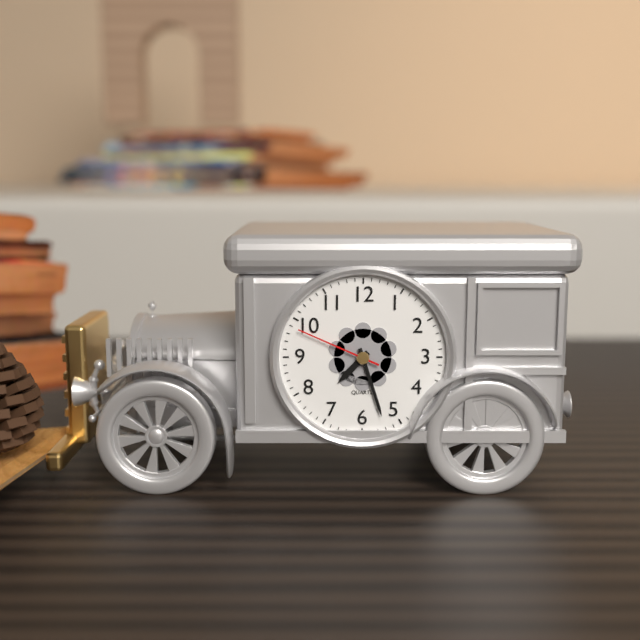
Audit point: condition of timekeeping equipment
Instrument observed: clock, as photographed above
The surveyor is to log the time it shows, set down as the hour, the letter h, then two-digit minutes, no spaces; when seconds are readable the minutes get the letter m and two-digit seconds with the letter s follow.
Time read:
7h27m49s
